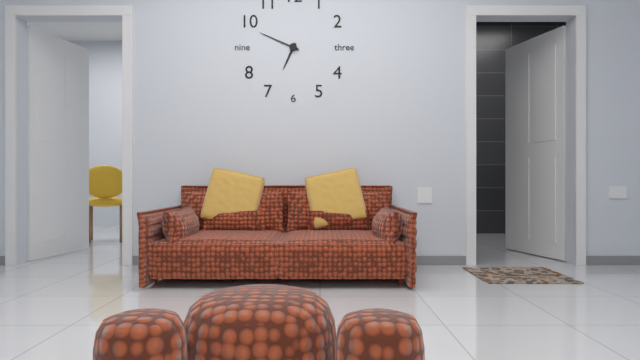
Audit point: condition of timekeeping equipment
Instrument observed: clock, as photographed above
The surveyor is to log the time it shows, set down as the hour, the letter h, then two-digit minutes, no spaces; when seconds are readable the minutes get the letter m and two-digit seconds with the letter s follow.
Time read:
6h49
